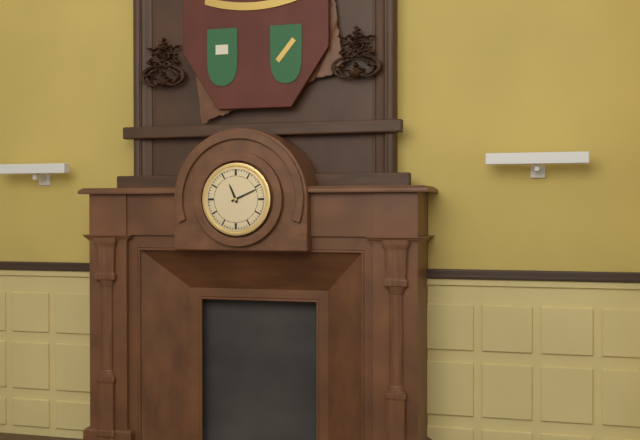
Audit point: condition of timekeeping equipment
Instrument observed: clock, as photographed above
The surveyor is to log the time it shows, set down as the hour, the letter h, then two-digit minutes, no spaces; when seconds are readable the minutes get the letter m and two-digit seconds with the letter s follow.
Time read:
11h11
